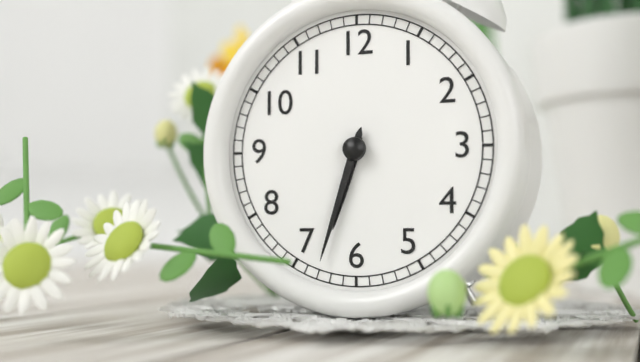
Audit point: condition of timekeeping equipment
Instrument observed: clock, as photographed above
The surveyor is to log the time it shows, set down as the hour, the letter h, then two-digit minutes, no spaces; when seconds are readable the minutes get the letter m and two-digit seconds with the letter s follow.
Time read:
6h33
